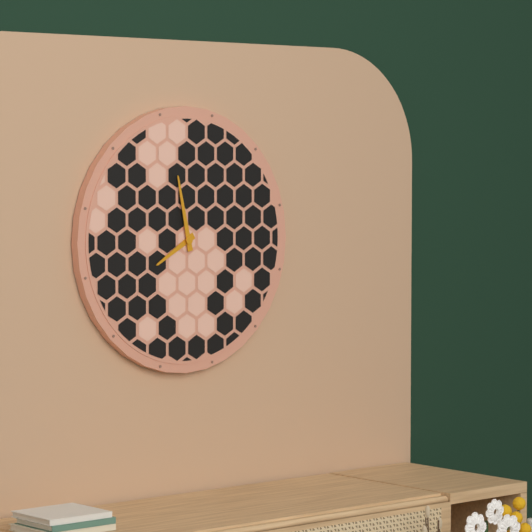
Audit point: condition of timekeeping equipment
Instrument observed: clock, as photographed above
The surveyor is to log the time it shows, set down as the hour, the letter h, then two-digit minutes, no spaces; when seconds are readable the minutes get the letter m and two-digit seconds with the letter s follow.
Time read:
7h58
